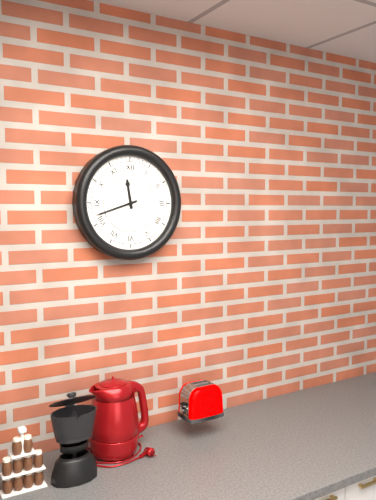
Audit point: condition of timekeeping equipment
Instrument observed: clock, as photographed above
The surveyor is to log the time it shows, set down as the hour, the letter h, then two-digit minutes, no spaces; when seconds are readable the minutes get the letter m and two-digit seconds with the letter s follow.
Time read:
11h42
